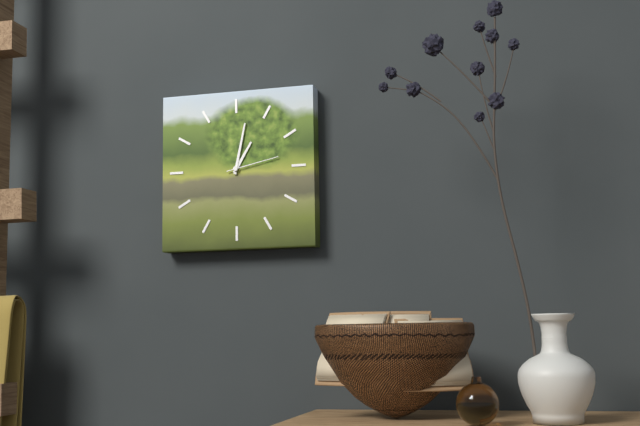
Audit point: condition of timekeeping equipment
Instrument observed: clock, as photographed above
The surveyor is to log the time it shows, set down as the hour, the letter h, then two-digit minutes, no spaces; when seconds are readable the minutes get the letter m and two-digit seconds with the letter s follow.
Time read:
1h02m13s
